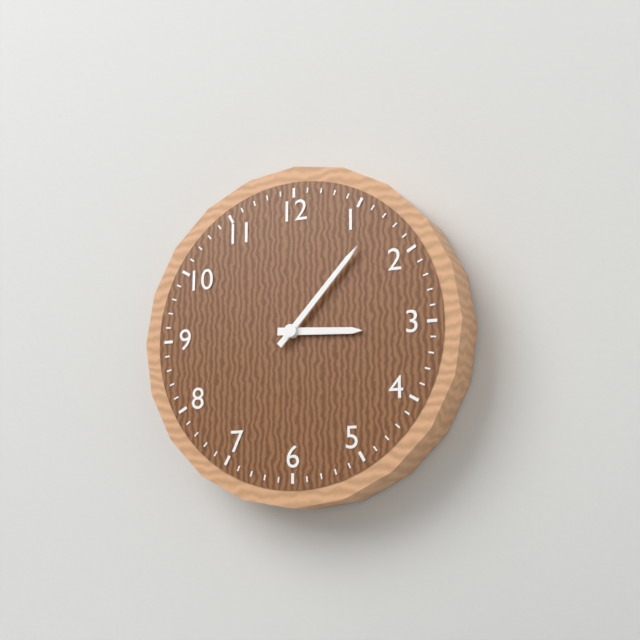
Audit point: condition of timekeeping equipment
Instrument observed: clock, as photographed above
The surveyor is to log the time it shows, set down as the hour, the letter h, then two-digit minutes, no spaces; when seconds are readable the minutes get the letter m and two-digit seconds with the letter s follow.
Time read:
3h07
